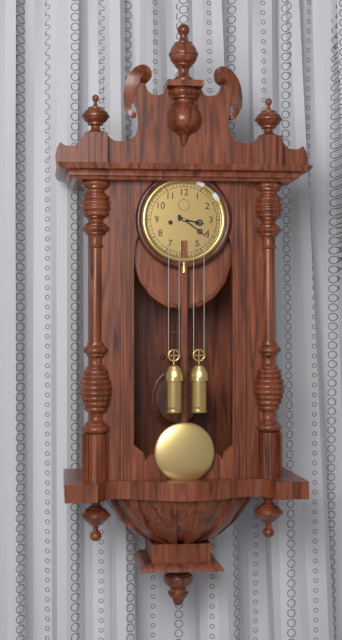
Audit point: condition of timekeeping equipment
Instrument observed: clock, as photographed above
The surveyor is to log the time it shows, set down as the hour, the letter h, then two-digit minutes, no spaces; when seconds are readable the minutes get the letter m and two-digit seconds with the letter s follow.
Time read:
3h21
